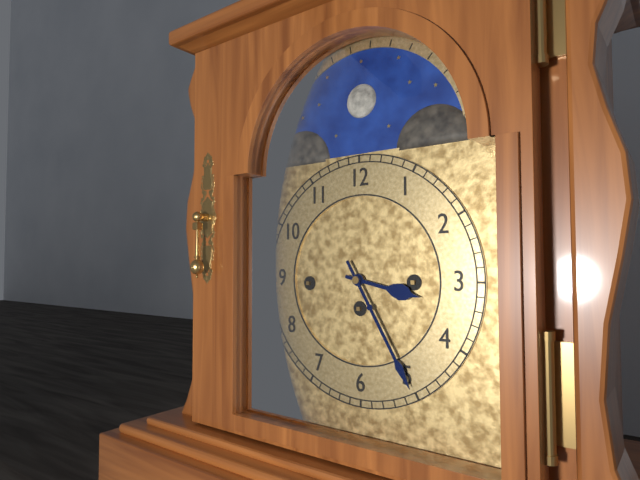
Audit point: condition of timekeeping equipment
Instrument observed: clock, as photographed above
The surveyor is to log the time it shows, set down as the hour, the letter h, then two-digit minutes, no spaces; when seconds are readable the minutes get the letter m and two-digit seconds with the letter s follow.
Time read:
3h25
